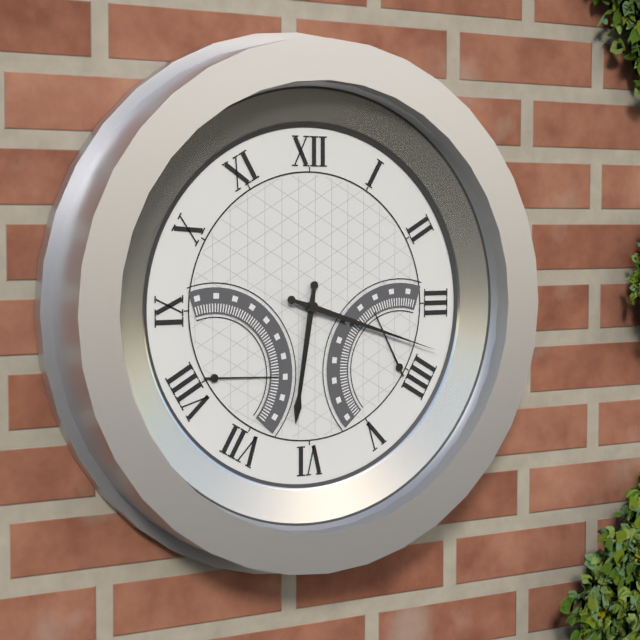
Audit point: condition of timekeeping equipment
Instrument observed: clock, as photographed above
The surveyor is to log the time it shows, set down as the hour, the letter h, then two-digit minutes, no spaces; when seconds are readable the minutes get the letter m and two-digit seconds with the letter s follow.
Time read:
6h18
